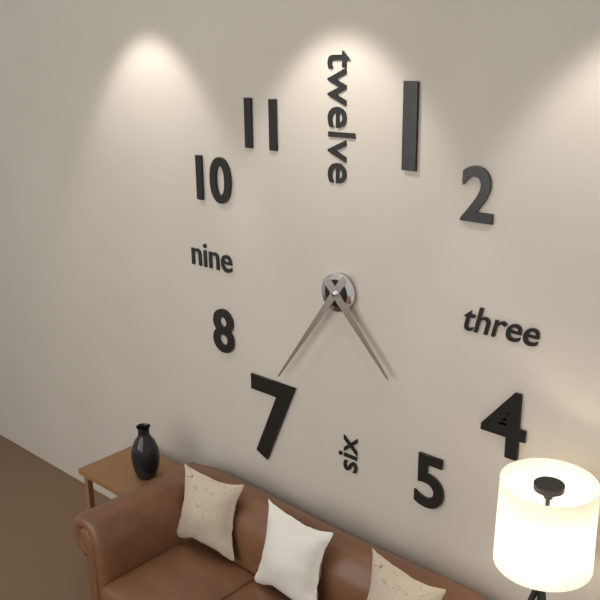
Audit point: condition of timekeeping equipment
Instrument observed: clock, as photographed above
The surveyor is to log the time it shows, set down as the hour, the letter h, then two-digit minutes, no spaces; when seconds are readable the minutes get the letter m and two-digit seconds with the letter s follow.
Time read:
4h36
